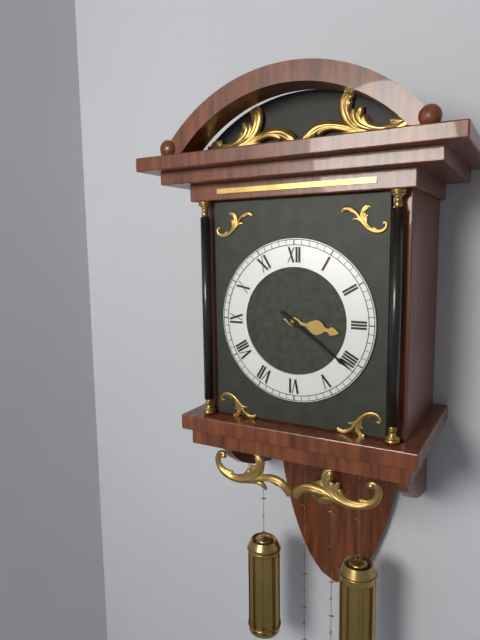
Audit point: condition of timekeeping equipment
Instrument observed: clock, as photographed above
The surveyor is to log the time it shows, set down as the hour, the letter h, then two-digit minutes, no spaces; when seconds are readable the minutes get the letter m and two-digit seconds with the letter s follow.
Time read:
3h21
